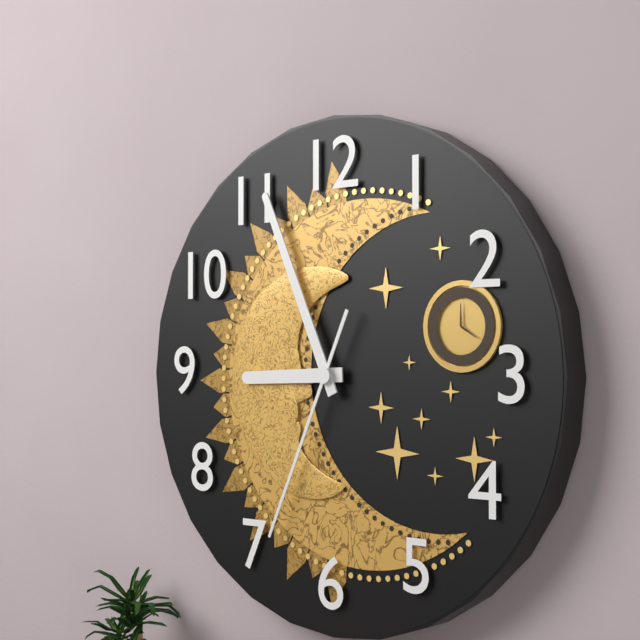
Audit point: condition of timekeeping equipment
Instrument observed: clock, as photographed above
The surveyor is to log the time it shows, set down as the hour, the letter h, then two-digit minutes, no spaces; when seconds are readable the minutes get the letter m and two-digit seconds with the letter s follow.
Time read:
8h56m34s
